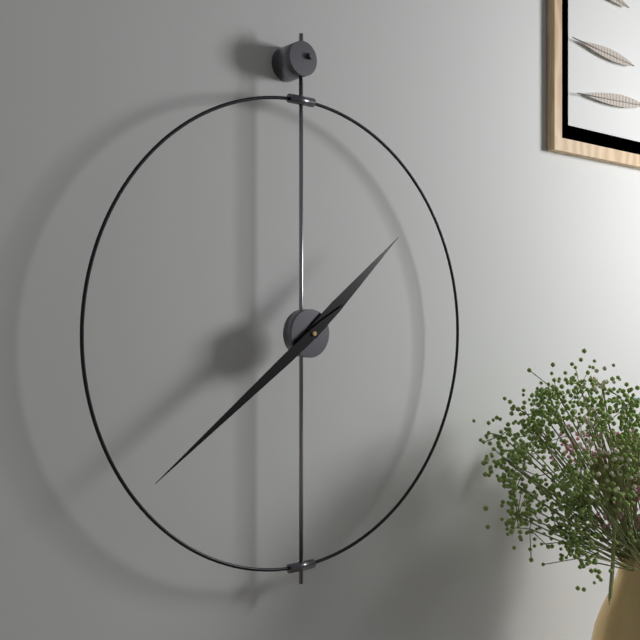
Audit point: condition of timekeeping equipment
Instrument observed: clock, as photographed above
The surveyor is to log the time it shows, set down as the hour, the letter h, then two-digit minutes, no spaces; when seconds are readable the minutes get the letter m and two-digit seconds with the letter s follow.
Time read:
1h39
